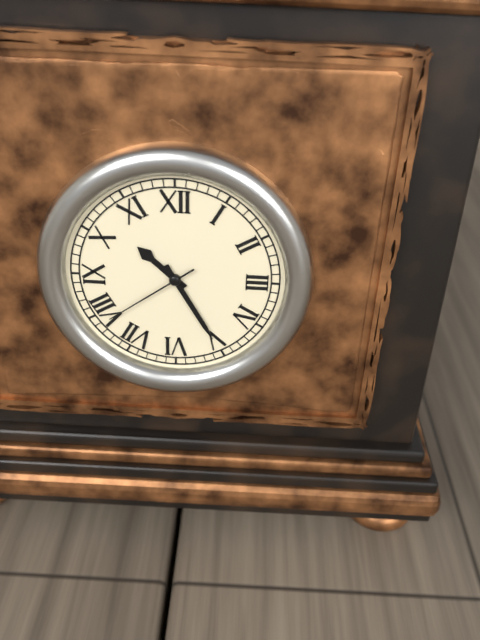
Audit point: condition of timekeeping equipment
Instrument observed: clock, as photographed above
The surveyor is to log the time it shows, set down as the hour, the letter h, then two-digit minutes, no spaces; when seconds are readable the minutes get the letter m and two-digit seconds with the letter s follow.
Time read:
10h25m39s
